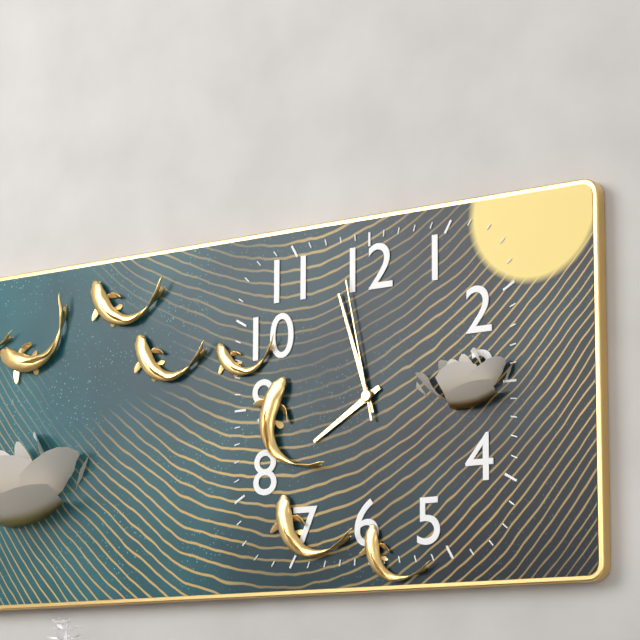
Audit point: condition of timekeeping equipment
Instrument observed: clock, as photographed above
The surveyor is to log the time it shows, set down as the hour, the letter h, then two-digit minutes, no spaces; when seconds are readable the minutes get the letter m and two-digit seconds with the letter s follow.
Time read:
7h57m58s
